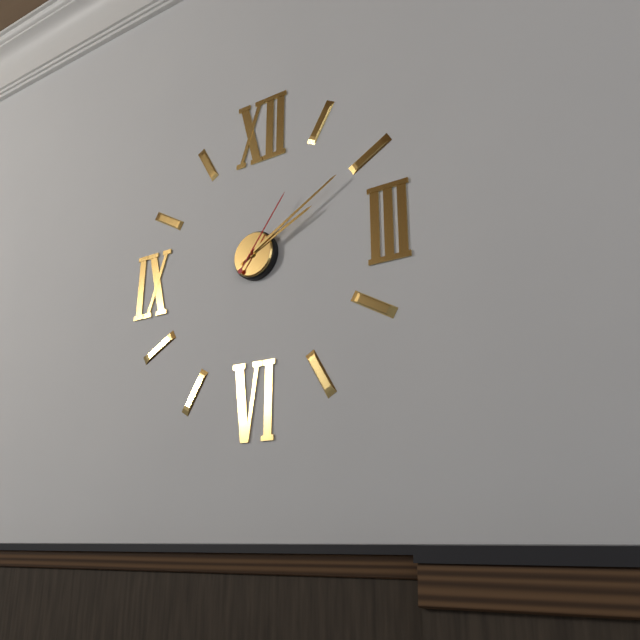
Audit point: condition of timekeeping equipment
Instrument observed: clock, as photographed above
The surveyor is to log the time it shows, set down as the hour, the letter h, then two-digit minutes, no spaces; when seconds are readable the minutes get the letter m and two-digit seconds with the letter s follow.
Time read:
2h10m06s
